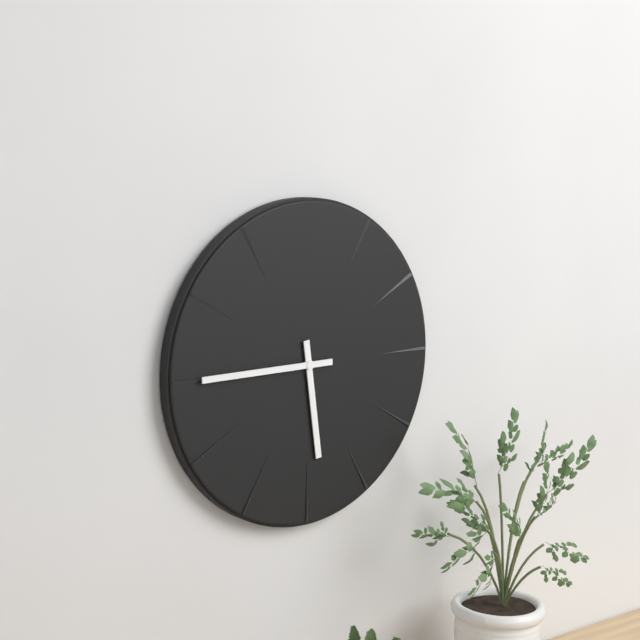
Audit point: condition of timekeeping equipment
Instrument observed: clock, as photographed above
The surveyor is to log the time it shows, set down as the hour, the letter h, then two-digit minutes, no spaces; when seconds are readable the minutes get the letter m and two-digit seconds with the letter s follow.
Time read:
5h45
